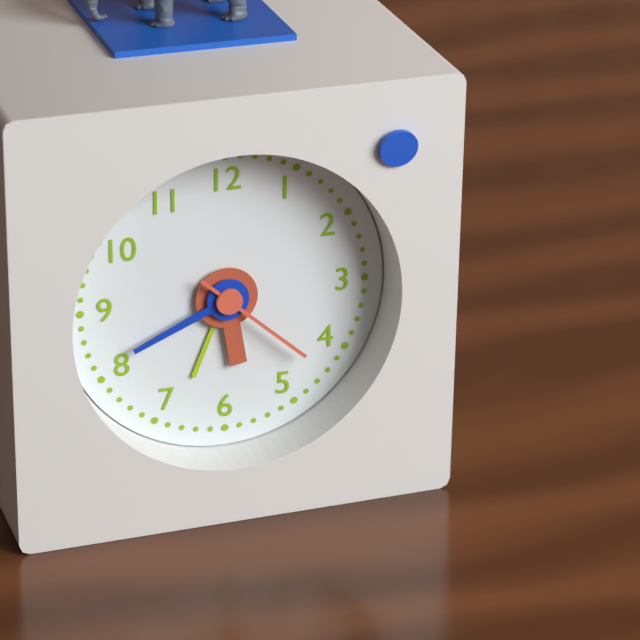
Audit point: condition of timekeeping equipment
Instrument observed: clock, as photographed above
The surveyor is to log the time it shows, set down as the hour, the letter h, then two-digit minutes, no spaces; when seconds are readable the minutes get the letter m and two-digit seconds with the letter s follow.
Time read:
5h41m22s
